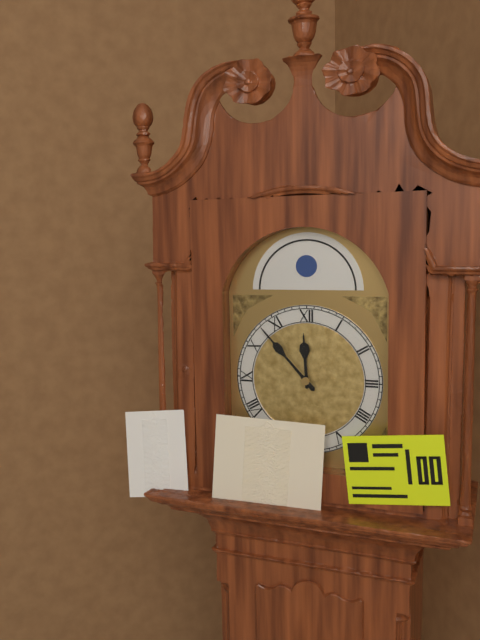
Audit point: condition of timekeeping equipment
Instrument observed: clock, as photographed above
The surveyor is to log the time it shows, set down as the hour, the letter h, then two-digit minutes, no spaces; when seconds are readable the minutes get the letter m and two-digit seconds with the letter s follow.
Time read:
11h53
